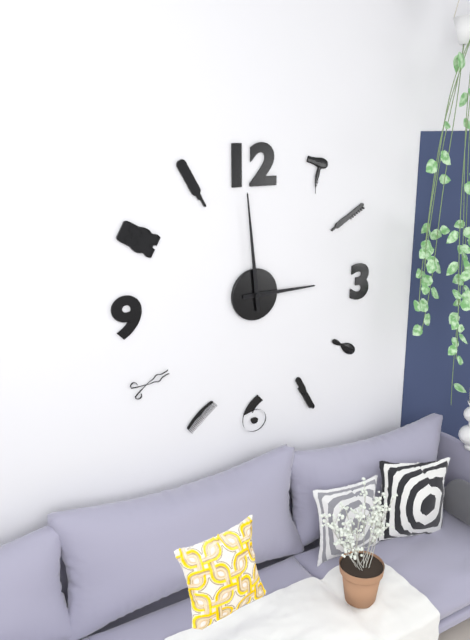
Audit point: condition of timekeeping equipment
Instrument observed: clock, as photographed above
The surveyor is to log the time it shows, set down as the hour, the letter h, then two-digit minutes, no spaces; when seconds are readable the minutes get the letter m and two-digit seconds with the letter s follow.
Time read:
2h59
